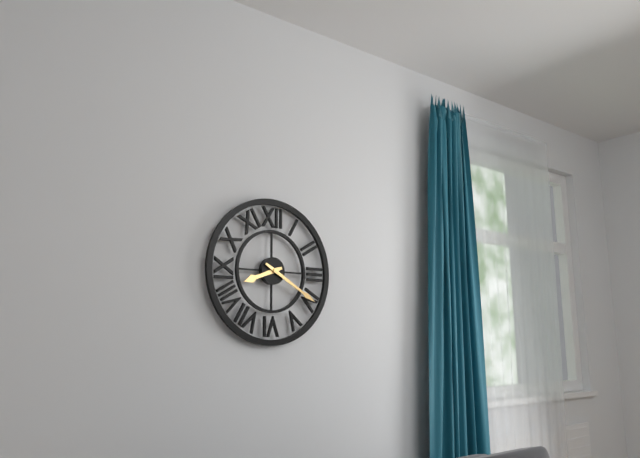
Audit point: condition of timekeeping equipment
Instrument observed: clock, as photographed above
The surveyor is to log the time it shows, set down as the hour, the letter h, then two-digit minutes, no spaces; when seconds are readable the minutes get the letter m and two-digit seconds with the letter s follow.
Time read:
8h20
